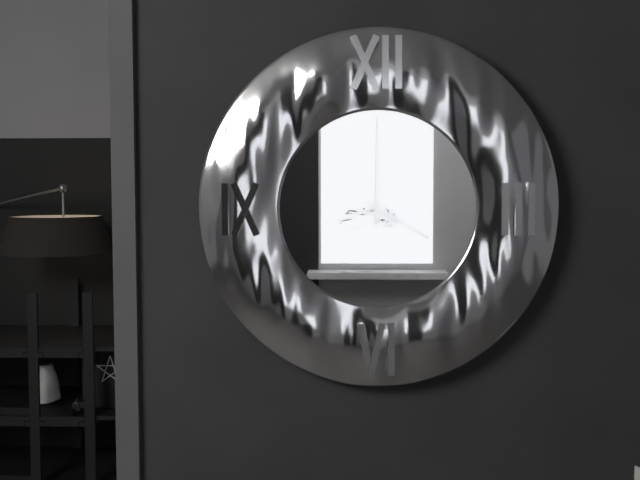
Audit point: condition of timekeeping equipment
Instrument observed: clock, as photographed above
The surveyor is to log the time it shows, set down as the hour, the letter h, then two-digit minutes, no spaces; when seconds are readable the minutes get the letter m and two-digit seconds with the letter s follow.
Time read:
4h00
